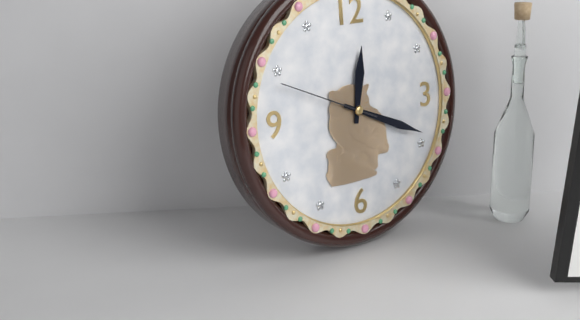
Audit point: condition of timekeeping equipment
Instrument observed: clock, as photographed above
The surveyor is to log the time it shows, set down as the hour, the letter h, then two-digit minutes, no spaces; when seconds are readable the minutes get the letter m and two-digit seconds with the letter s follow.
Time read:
12h19m49s
